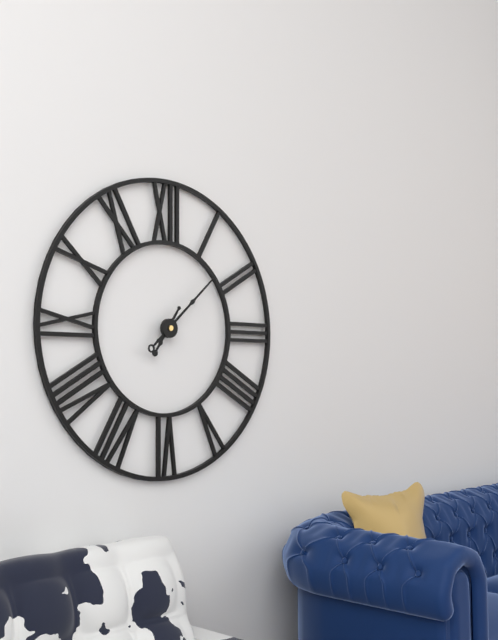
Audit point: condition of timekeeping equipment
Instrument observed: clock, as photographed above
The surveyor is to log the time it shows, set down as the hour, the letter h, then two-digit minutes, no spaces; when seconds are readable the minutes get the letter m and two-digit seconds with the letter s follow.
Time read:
7h08
